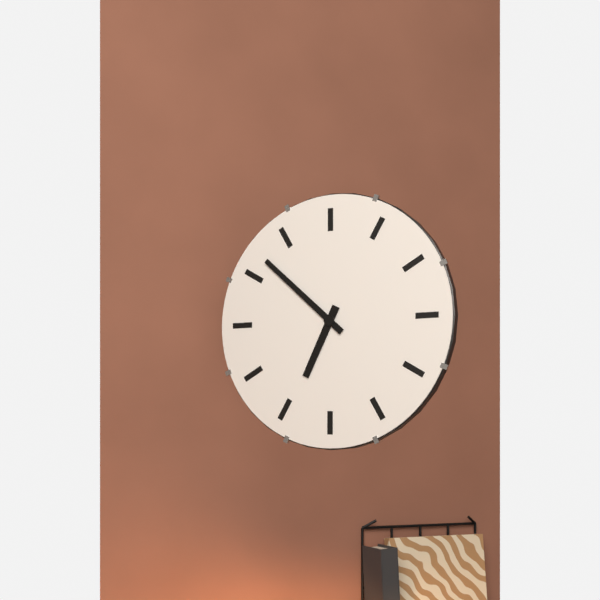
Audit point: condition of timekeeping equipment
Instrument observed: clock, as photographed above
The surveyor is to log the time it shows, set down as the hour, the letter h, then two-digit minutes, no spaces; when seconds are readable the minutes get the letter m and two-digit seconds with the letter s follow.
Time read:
6h52
